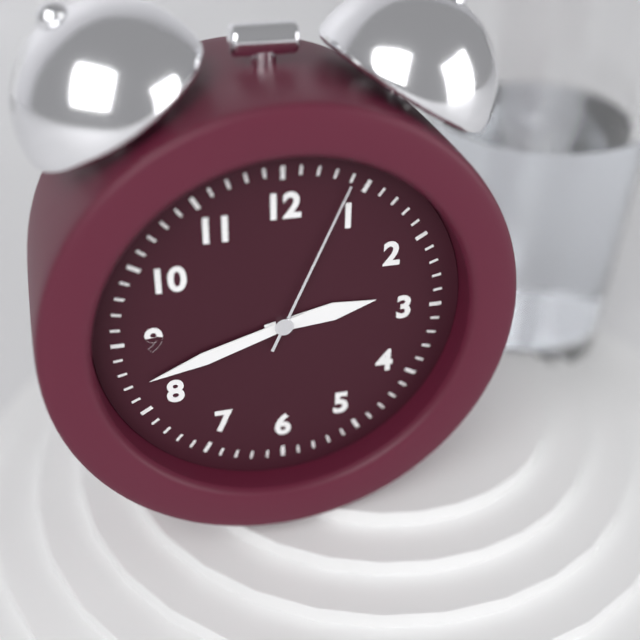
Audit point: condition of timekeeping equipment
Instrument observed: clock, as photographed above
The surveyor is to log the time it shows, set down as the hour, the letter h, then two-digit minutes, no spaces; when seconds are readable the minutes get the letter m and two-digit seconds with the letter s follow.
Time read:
2h42m04s
